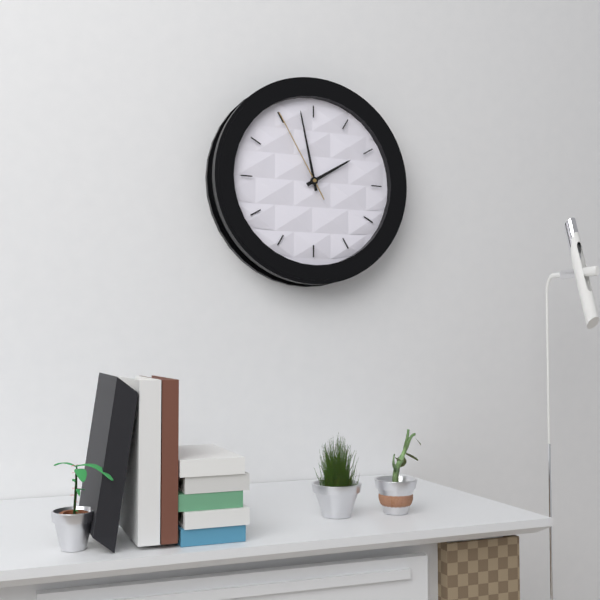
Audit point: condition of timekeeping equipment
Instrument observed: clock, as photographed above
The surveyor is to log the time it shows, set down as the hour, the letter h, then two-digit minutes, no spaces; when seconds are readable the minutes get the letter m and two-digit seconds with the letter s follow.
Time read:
1h58m55s
